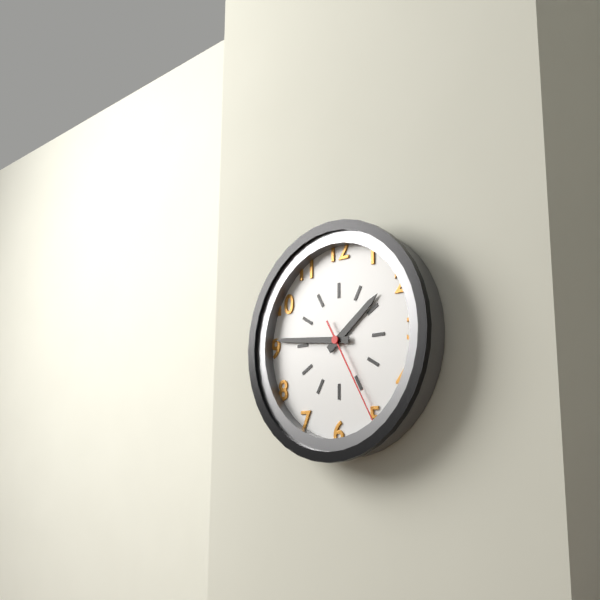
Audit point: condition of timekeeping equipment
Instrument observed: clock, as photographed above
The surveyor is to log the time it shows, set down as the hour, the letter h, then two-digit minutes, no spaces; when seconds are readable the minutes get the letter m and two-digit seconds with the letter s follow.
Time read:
1h46m25s
